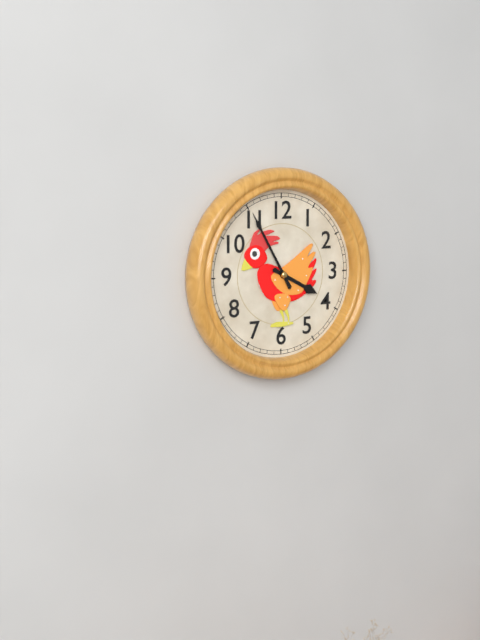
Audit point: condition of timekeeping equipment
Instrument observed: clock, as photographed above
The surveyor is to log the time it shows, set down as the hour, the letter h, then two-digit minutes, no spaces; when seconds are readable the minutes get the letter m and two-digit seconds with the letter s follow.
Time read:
3h55
